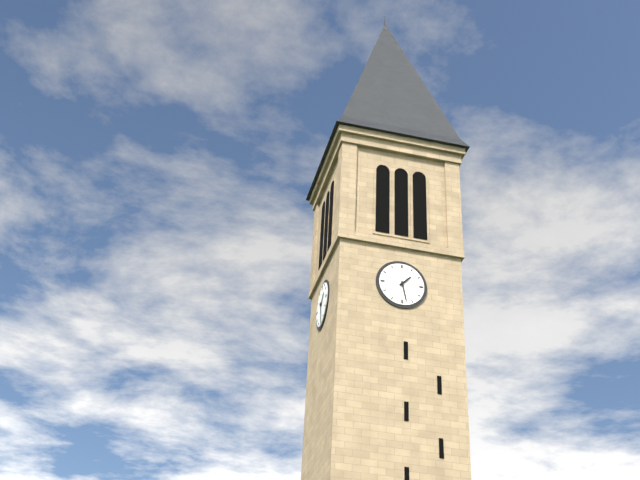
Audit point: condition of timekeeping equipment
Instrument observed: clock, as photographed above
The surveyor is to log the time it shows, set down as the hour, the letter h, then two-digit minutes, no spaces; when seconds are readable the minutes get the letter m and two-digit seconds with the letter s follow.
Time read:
1h28
